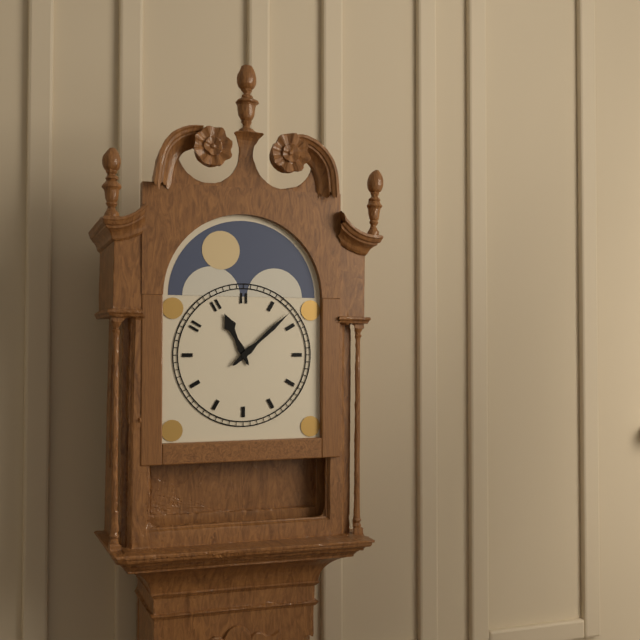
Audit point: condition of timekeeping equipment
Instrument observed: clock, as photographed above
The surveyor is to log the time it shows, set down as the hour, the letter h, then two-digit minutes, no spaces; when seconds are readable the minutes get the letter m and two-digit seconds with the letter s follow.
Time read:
11h08
